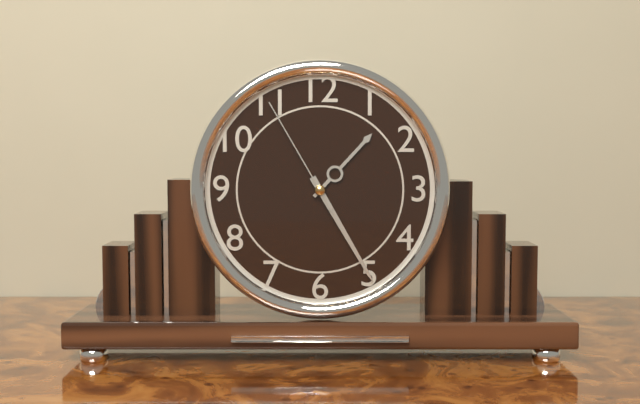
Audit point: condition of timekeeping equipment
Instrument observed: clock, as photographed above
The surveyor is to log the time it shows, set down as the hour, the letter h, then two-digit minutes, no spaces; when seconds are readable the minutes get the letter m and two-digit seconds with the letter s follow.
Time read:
1h25m55s
